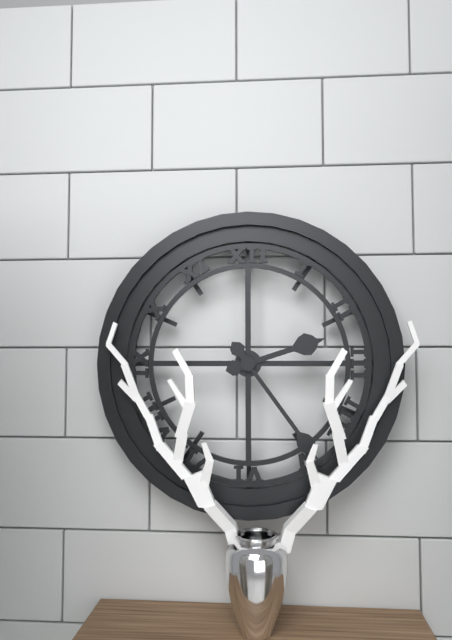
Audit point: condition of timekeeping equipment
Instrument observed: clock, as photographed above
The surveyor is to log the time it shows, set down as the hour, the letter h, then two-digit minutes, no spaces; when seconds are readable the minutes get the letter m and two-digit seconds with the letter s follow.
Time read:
2h24
